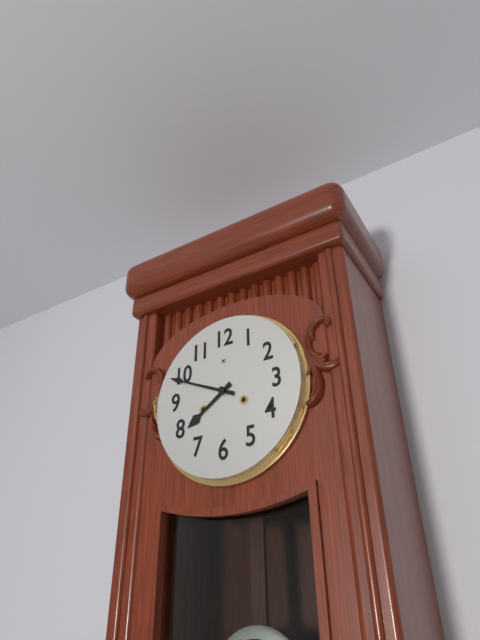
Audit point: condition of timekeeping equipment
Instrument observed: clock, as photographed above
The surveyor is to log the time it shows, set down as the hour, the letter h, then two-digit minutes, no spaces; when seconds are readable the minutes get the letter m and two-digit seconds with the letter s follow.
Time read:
7h49
